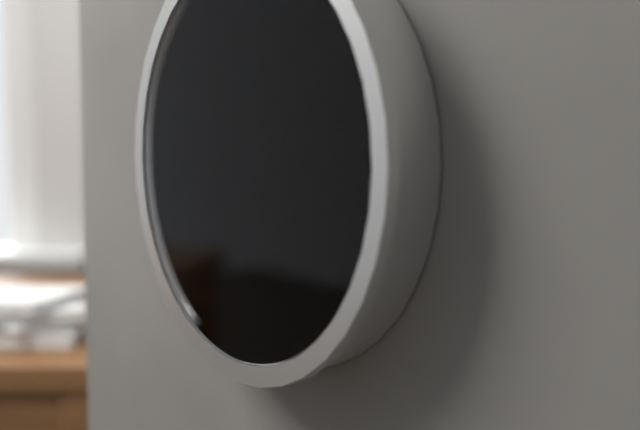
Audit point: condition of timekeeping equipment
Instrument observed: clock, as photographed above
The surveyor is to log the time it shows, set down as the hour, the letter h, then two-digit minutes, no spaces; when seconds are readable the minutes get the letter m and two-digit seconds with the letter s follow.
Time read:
6h53
